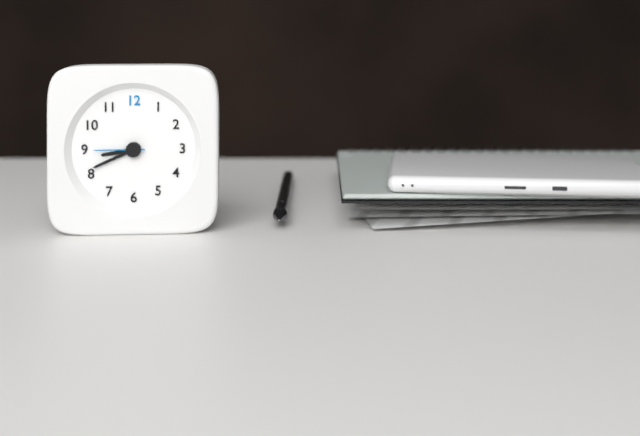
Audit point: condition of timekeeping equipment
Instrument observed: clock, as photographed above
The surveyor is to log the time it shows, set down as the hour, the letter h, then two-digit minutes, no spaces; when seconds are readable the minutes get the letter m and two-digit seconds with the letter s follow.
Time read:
8h41m45s
